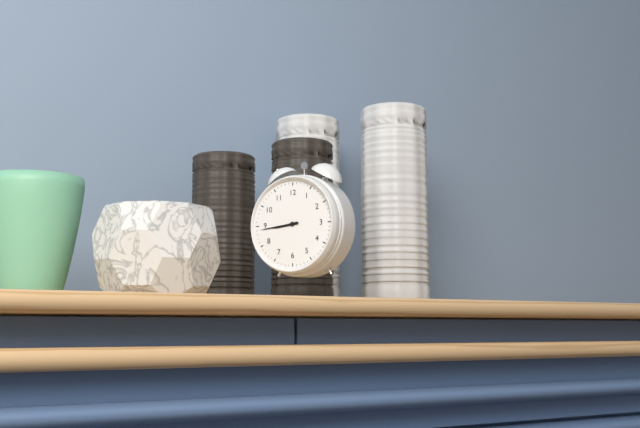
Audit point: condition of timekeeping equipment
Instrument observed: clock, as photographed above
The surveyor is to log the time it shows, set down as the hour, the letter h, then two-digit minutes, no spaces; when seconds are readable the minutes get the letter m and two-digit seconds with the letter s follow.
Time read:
8h44
